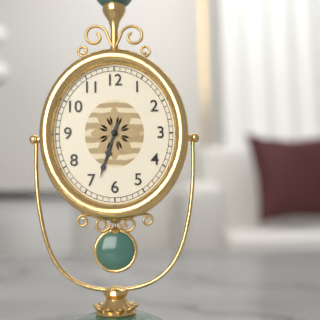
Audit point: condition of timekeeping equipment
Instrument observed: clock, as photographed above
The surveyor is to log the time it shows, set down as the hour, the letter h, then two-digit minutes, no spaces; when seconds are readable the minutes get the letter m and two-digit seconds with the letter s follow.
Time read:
6h33
